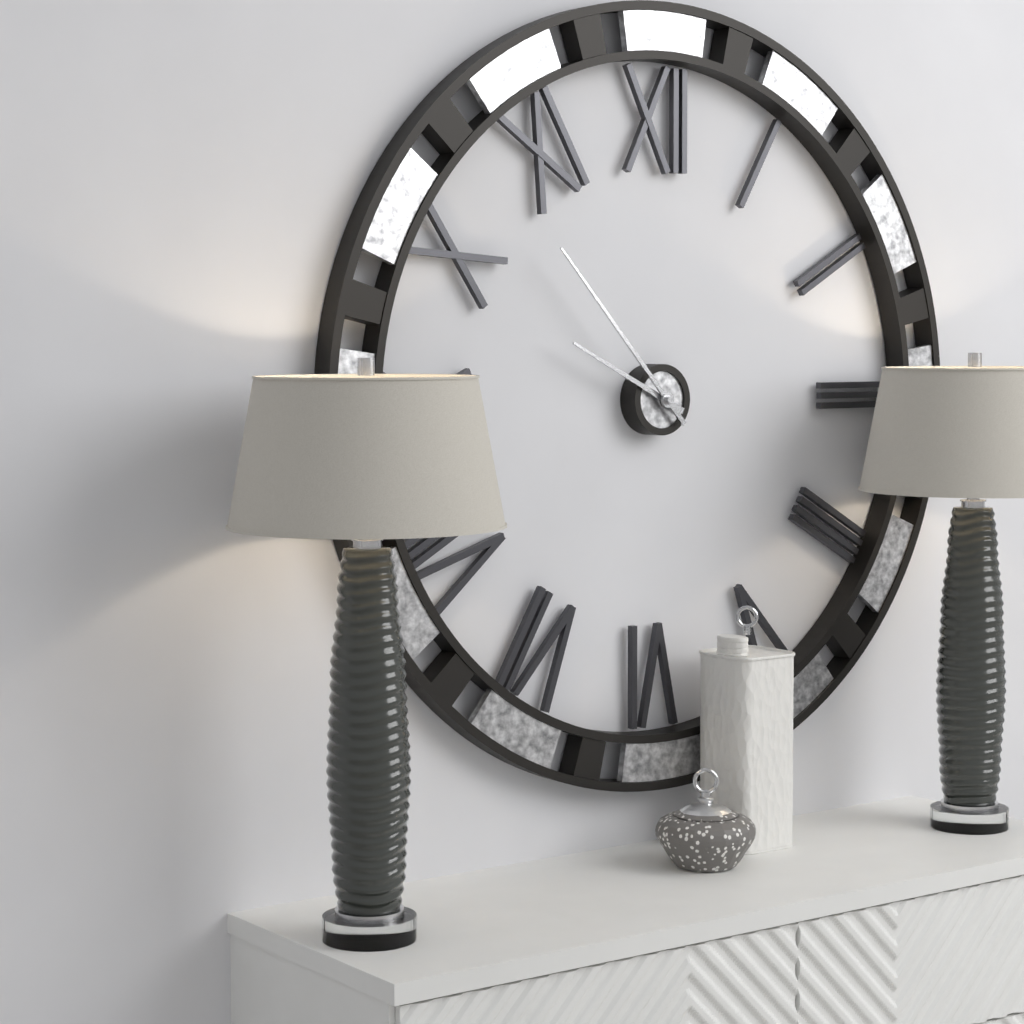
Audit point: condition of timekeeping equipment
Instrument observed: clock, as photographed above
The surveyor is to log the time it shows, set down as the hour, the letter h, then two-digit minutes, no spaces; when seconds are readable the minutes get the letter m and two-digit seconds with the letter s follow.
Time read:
9h53
